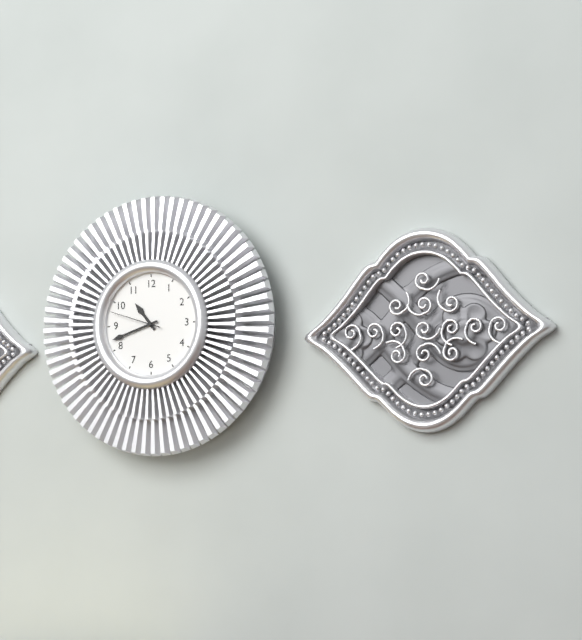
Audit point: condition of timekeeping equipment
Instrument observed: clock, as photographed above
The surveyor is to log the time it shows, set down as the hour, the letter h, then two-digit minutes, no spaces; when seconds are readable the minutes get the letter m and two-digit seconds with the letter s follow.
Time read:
10h42m48s
